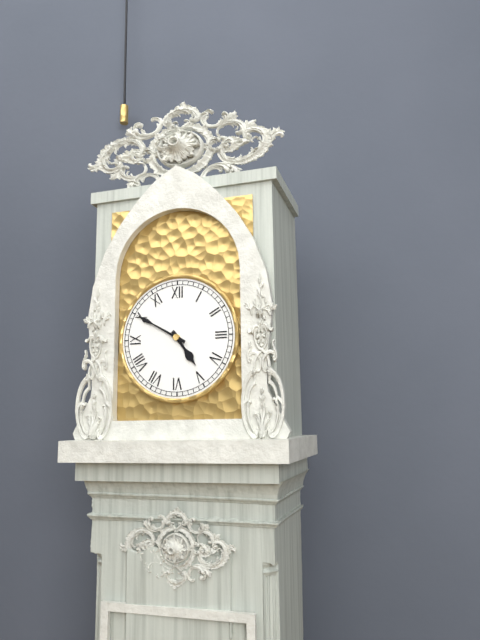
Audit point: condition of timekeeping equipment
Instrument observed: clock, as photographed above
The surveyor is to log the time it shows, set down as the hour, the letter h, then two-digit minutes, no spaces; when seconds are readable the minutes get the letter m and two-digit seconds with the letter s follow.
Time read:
4h50
